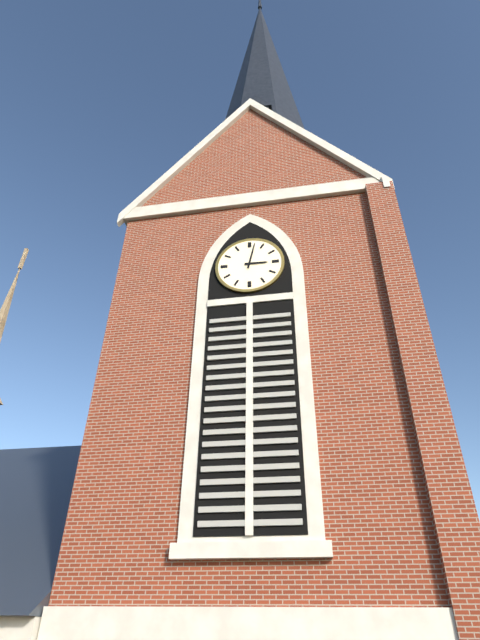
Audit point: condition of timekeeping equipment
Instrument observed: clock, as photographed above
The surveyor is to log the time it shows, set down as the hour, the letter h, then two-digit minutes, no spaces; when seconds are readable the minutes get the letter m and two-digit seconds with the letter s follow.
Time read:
3h02
